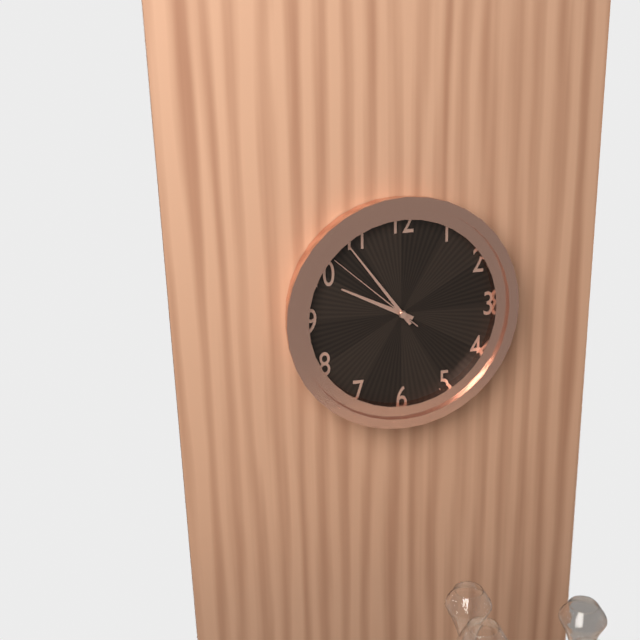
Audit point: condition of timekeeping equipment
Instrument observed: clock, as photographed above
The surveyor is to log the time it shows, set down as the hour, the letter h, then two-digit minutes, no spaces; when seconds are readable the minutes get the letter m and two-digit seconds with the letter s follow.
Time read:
9h54m52s
